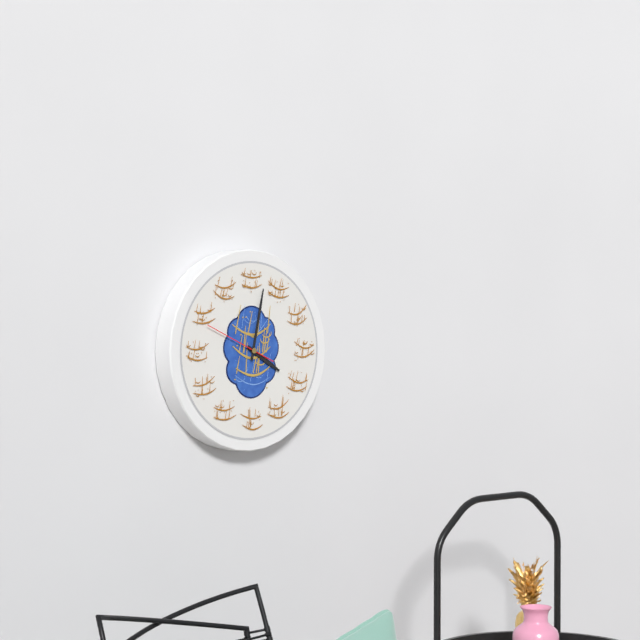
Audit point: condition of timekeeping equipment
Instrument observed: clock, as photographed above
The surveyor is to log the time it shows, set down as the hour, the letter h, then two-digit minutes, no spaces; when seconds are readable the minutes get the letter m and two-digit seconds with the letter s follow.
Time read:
4h02m49s
